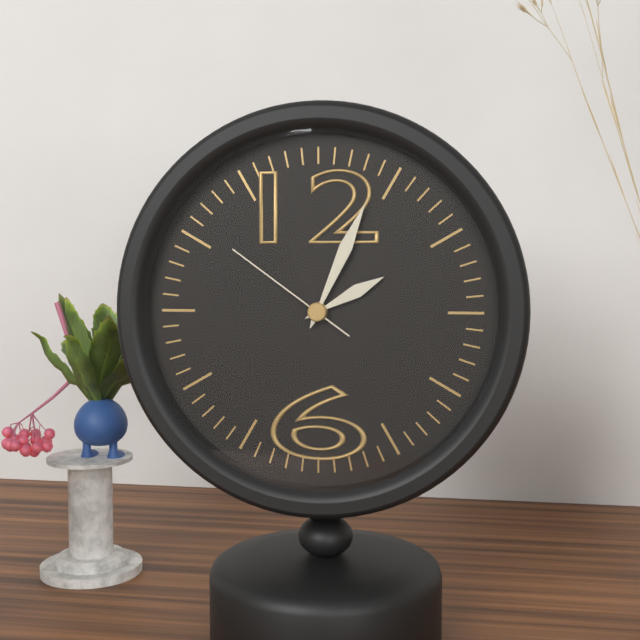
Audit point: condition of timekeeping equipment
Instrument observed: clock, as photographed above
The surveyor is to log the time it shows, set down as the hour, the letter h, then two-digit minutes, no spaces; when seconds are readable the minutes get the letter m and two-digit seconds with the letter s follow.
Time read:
2h04m51s
